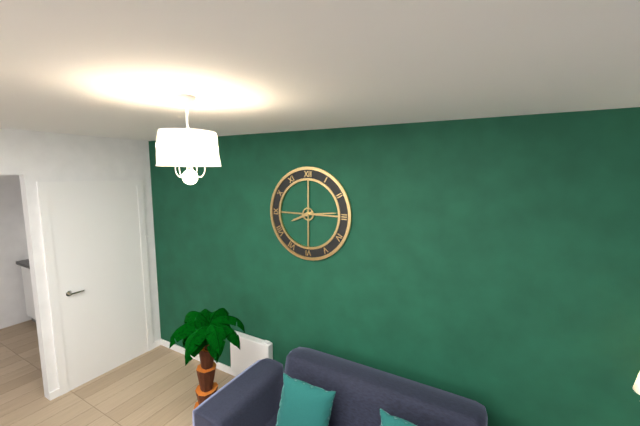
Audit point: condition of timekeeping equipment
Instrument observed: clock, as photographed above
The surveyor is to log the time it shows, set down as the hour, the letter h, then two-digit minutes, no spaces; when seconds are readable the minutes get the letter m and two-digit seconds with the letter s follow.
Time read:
8h14
